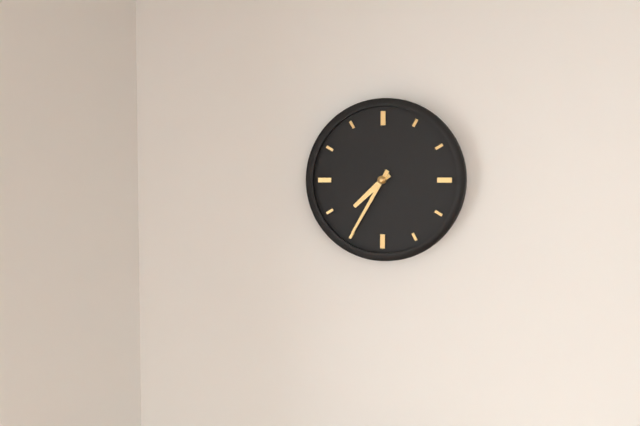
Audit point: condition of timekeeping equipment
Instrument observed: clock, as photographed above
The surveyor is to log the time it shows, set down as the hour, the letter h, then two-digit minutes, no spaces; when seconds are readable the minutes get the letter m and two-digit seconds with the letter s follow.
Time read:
7h35
